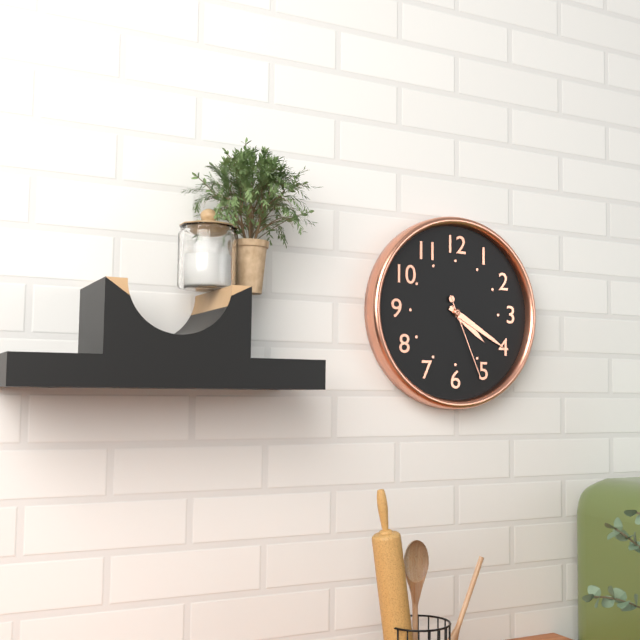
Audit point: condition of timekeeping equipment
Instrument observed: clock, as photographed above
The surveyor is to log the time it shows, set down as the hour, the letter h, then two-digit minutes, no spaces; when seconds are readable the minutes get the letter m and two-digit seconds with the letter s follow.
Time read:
4h20m26s
